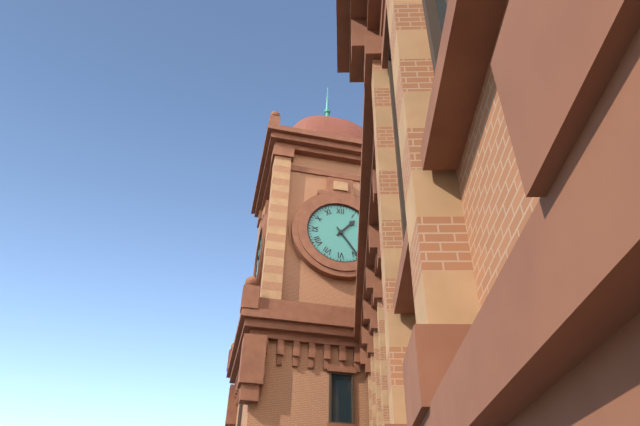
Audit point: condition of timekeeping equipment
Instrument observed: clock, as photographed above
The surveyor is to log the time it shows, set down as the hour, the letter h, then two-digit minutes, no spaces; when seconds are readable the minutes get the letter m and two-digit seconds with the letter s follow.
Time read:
1h24
